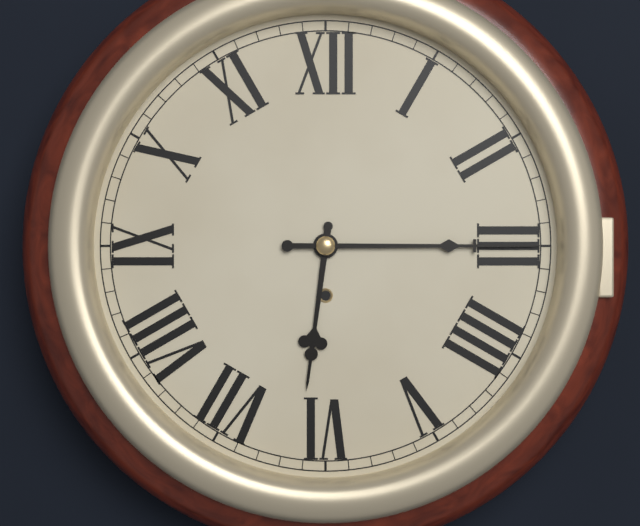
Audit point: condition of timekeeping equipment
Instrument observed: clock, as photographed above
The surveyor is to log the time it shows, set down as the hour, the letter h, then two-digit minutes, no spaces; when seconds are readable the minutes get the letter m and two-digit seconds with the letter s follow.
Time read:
6h15
